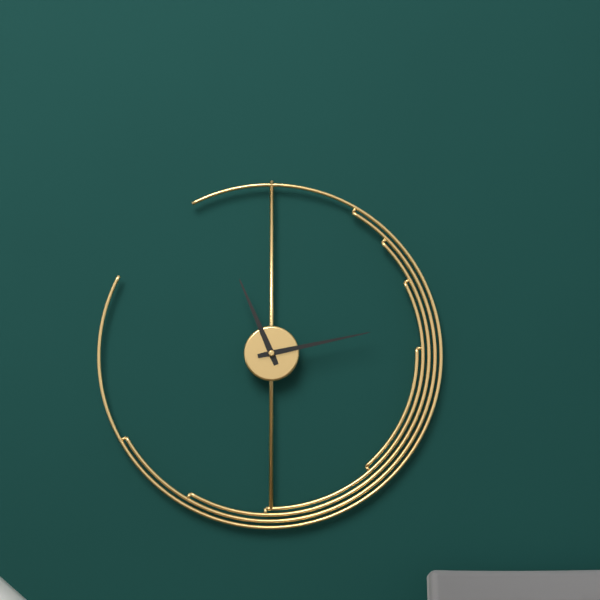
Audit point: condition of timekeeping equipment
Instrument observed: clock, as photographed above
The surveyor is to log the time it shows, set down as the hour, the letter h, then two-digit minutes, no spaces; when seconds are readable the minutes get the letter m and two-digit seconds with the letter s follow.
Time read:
11h13
